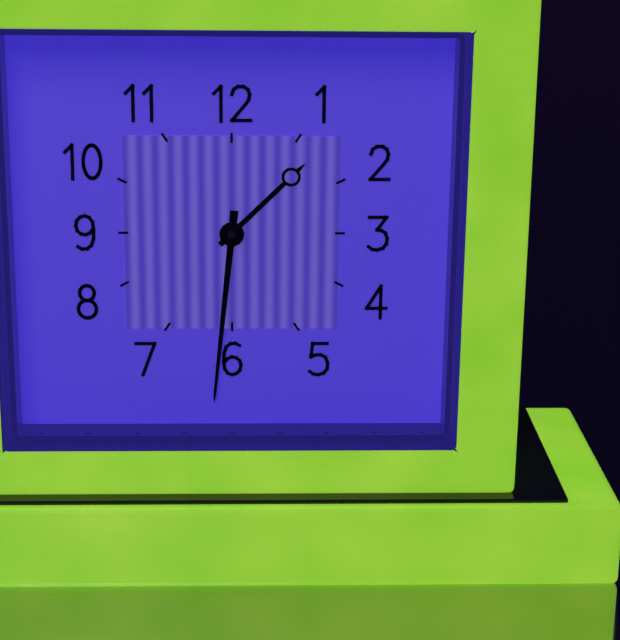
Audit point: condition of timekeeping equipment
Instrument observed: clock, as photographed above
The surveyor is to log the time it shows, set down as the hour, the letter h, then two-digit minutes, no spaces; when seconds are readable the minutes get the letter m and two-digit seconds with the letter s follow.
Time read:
1h31
